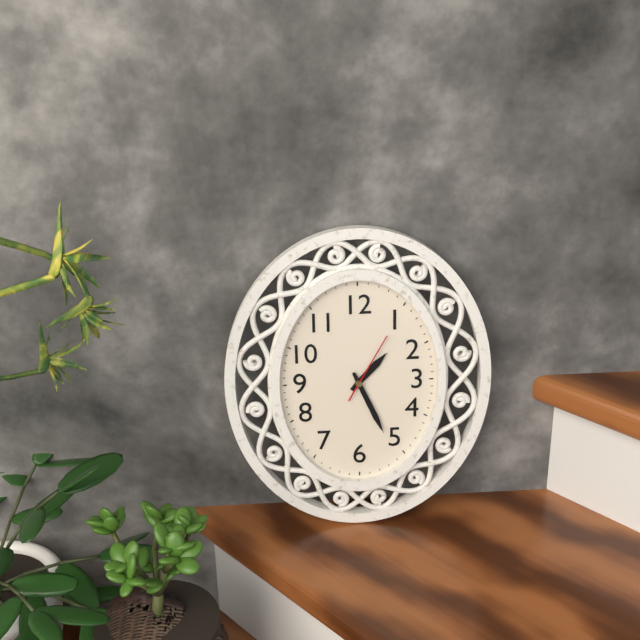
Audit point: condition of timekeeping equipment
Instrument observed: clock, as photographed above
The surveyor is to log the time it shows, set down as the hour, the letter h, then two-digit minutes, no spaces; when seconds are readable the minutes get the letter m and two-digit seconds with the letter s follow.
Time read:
1h26m05s
